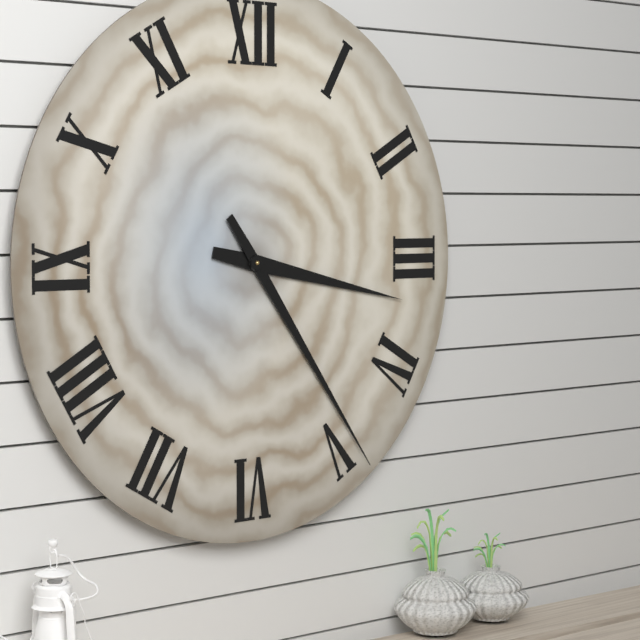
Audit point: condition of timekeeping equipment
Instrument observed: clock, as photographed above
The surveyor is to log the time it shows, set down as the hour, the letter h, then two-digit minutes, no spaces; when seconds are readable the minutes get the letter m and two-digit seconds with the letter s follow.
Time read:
3h24
